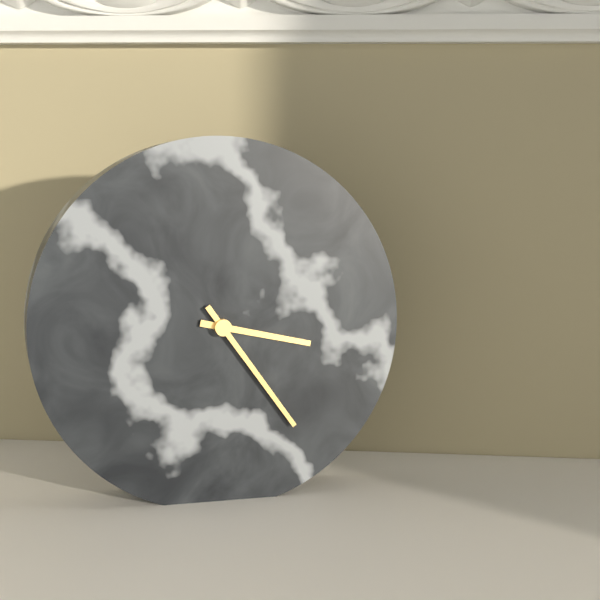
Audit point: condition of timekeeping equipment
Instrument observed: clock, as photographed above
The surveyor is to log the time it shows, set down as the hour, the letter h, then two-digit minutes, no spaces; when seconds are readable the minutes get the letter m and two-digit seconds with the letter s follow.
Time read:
3h24
